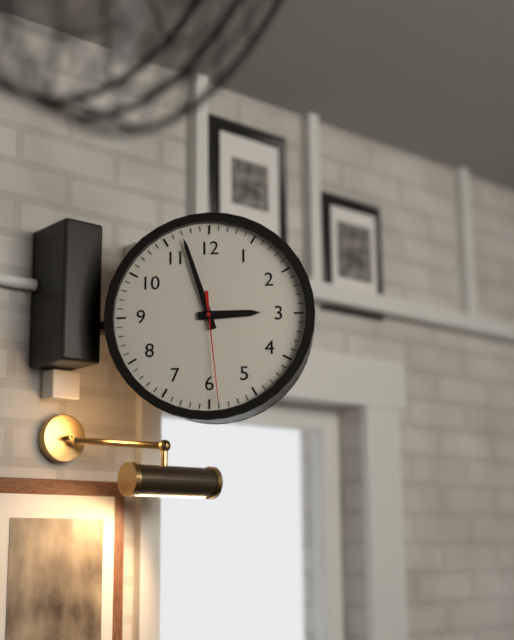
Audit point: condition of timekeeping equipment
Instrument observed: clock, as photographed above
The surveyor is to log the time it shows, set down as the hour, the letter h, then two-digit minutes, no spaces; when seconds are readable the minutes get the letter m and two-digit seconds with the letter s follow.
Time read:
2h57m29s
